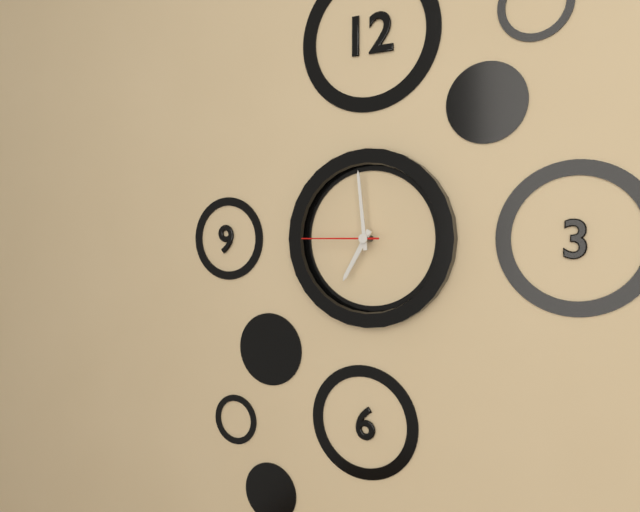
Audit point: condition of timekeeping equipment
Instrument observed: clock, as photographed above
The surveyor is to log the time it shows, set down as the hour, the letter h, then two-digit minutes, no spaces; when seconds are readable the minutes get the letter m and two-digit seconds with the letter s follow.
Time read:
6h59m45s
